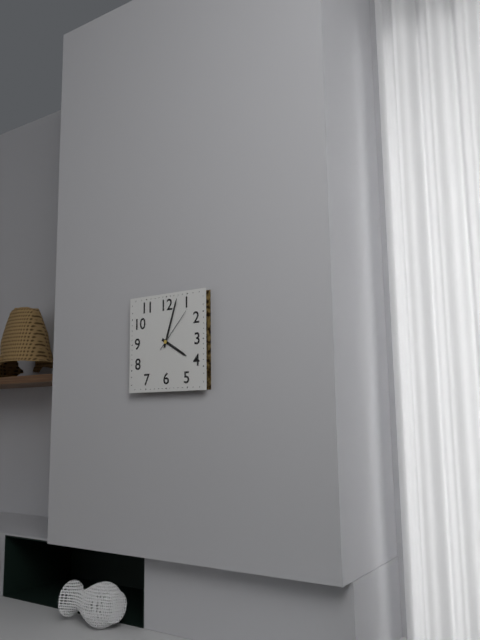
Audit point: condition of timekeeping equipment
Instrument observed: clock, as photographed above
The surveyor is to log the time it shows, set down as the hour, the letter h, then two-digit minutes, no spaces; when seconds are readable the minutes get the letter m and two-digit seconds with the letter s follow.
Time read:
4h03
